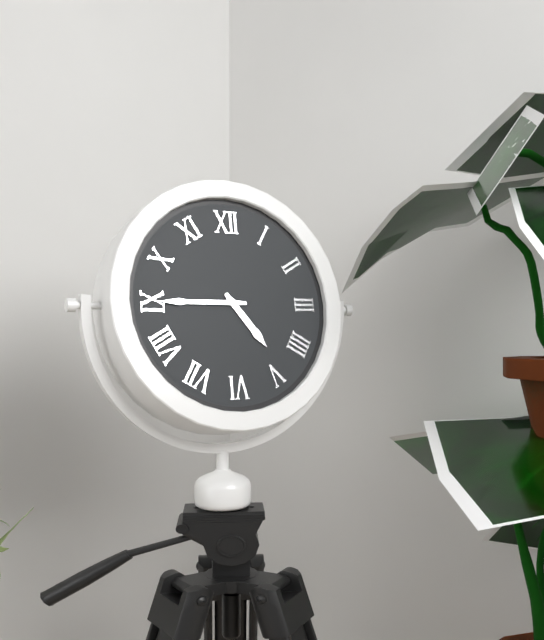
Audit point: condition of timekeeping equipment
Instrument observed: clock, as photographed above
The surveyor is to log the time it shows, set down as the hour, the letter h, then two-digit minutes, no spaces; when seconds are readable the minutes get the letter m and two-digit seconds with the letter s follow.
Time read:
4h45
